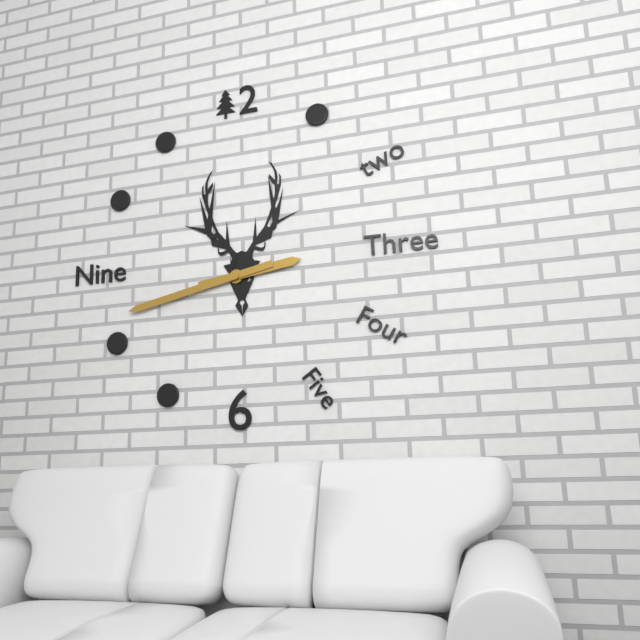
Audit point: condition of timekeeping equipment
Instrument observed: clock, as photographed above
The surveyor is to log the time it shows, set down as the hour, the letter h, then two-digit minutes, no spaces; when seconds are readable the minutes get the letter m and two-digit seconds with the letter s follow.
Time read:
2h43
